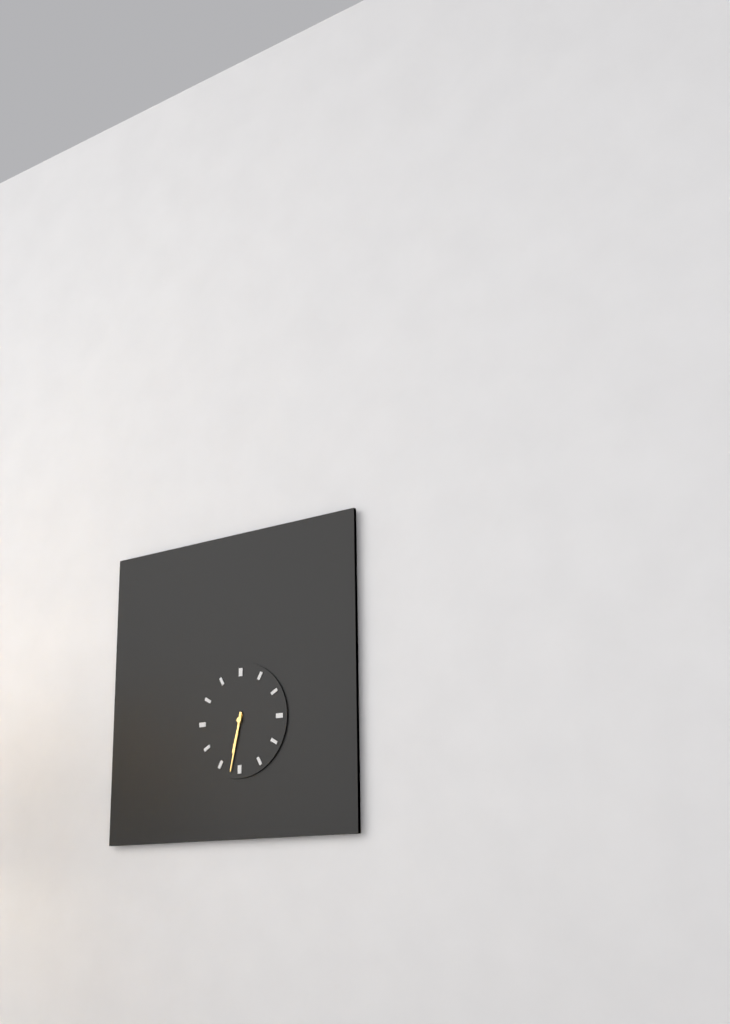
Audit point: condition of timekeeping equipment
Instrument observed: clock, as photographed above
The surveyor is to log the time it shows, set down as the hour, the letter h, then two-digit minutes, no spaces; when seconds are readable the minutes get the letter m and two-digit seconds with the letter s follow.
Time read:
6h32
